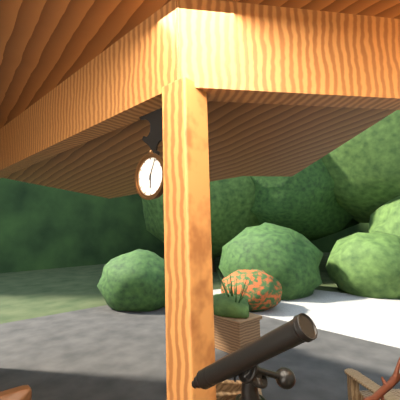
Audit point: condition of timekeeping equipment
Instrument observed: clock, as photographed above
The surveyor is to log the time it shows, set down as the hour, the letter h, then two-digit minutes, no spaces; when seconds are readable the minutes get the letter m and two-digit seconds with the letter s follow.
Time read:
6h04
